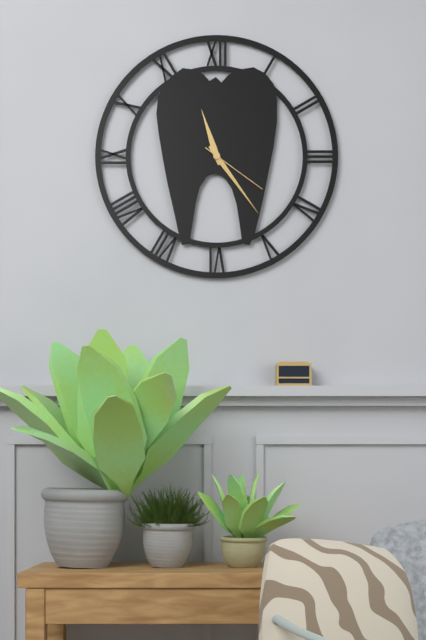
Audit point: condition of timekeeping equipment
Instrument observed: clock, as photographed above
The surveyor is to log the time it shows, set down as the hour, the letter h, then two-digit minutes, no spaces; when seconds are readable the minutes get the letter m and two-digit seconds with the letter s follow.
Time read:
11h24m21s
